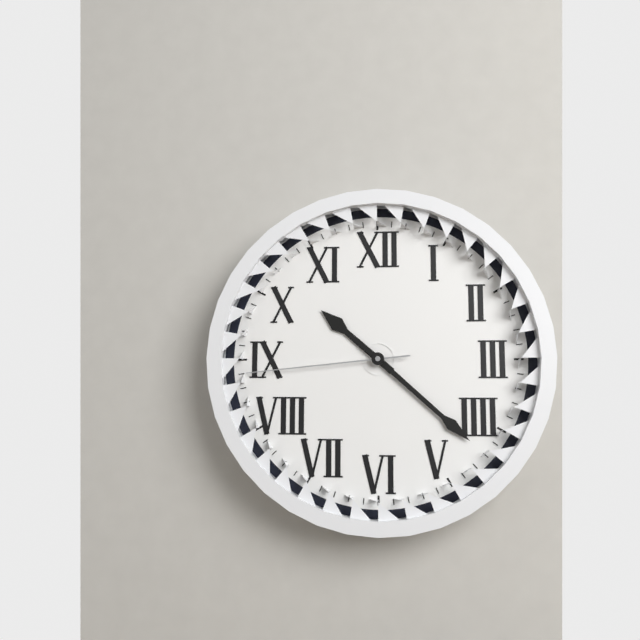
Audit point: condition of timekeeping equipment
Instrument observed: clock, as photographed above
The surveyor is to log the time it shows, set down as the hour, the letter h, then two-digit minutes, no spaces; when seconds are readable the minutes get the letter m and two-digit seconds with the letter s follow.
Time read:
10h22m44s
